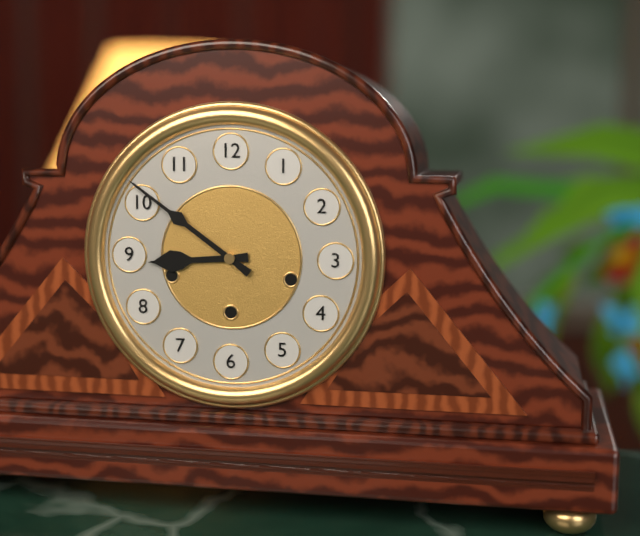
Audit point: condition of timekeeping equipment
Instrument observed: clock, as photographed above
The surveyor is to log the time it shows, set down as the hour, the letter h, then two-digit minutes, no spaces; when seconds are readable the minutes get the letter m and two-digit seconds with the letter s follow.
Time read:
8h51
